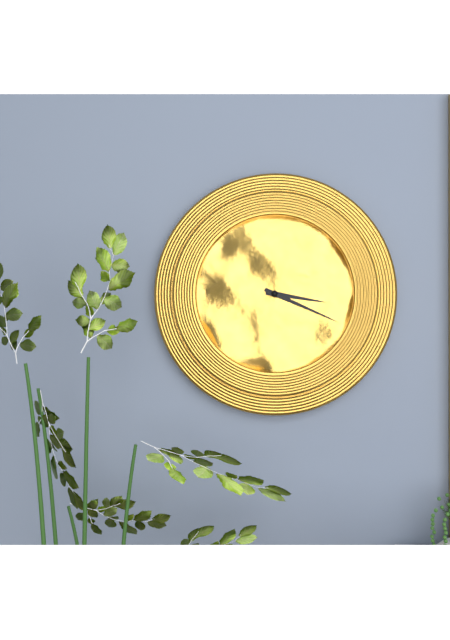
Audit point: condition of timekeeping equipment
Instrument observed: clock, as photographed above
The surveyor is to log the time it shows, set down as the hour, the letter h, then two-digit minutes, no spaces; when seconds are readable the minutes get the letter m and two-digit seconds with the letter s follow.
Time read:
3h19
